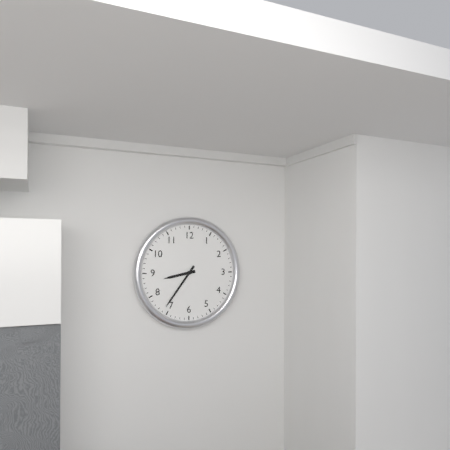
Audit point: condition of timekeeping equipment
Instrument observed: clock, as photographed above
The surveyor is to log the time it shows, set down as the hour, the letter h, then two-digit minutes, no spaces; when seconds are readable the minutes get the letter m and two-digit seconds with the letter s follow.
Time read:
8h36
